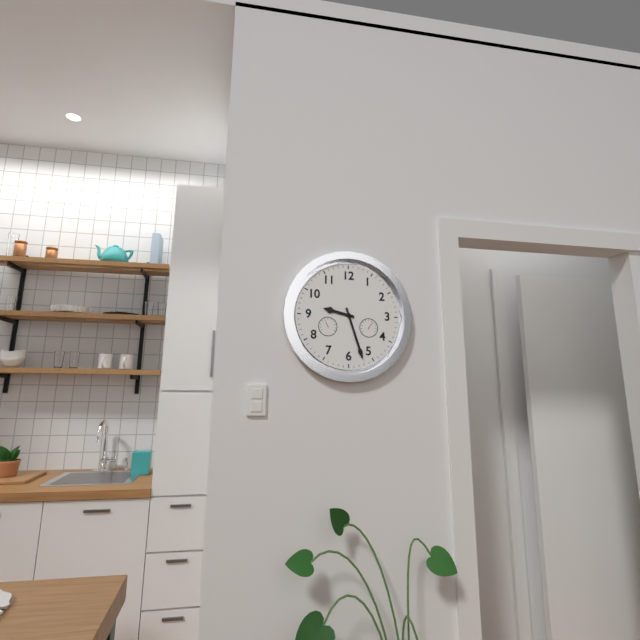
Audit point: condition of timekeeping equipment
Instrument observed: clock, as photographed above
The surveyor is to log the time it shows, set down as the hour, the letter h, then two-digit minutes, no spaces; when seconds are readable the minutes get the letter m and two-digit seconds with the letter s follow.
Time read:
9h27
